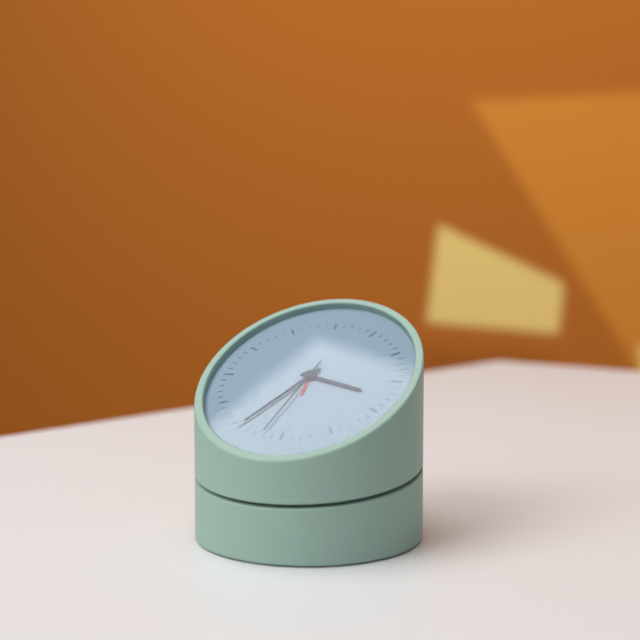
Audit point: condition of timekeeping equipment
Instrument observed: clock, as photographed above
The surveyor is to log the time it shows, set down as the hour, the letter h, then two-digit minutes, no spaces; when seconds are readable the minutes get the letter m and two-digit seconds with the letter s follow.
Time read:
3h35m32s
